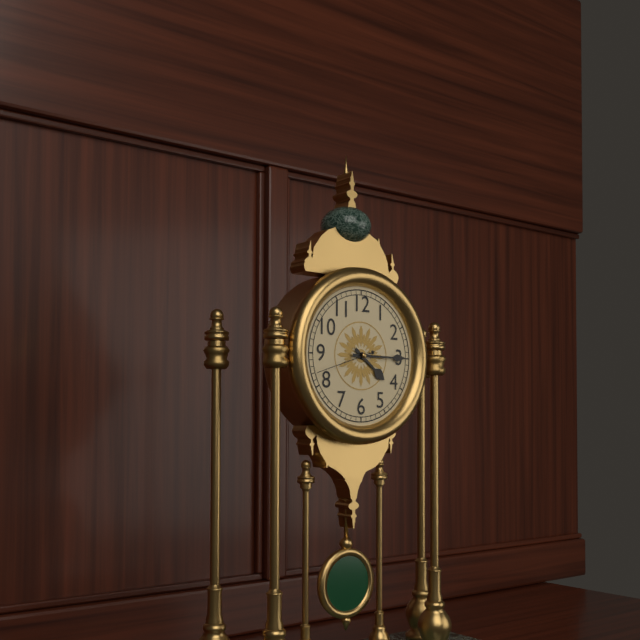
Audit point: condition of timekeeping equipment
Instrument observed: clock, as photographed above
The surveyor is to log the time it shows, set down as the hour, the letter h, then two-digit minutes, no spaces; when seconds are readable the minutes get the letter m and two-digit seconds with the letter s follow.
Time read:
4h15m42s
